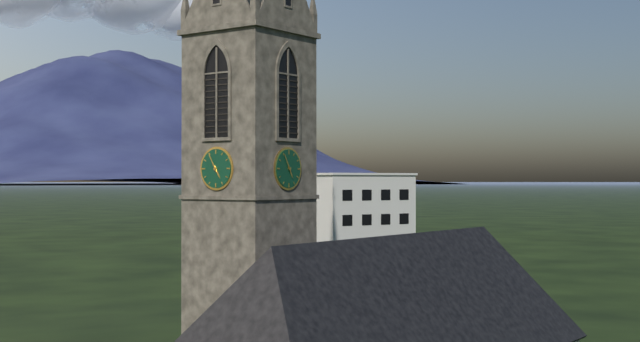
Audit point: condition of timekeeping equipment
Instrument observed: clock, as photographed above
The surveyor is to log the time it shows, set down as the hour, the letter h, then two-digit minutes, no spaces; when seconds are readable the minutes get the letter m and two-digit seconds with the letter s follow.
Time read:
4h55
